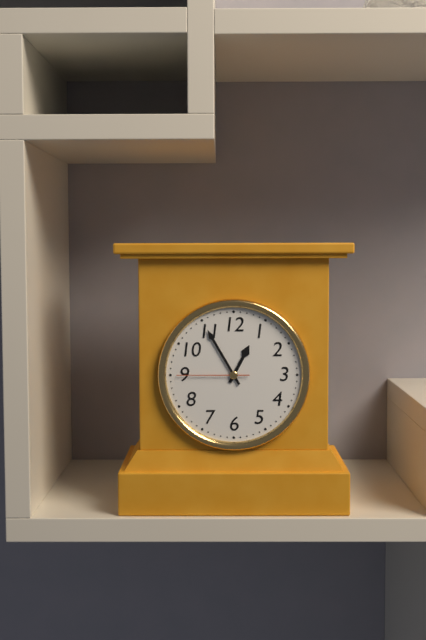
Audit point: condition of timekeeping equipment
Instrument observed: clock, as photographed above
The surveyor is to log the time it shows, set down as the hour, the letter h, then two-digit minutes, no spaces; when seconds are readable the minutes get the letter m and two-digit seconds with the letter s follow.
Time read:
12h55m45s
